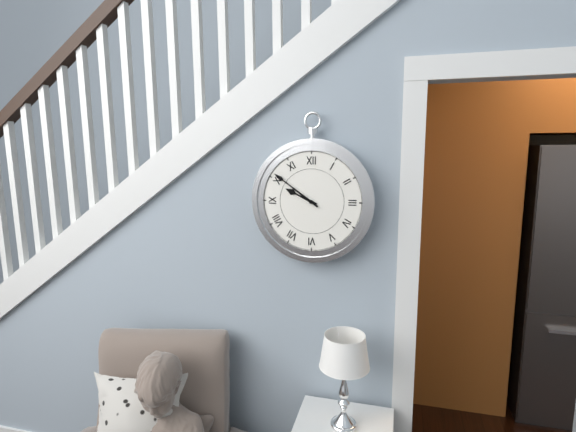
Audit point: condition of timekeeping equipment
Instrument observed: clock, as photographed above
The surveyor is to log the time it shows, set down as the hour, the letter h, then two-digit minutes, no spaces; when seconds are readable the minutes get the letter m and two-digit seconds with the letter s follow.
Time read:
9h51
